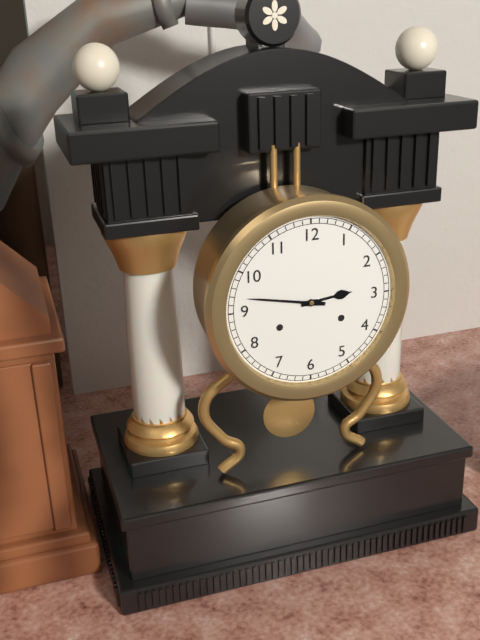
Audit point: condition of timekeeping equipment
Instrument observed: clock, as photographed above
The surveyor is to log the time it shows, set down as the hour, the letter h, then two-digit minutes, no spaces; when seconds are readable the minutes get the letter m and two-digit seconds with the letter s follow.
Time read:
2h47
